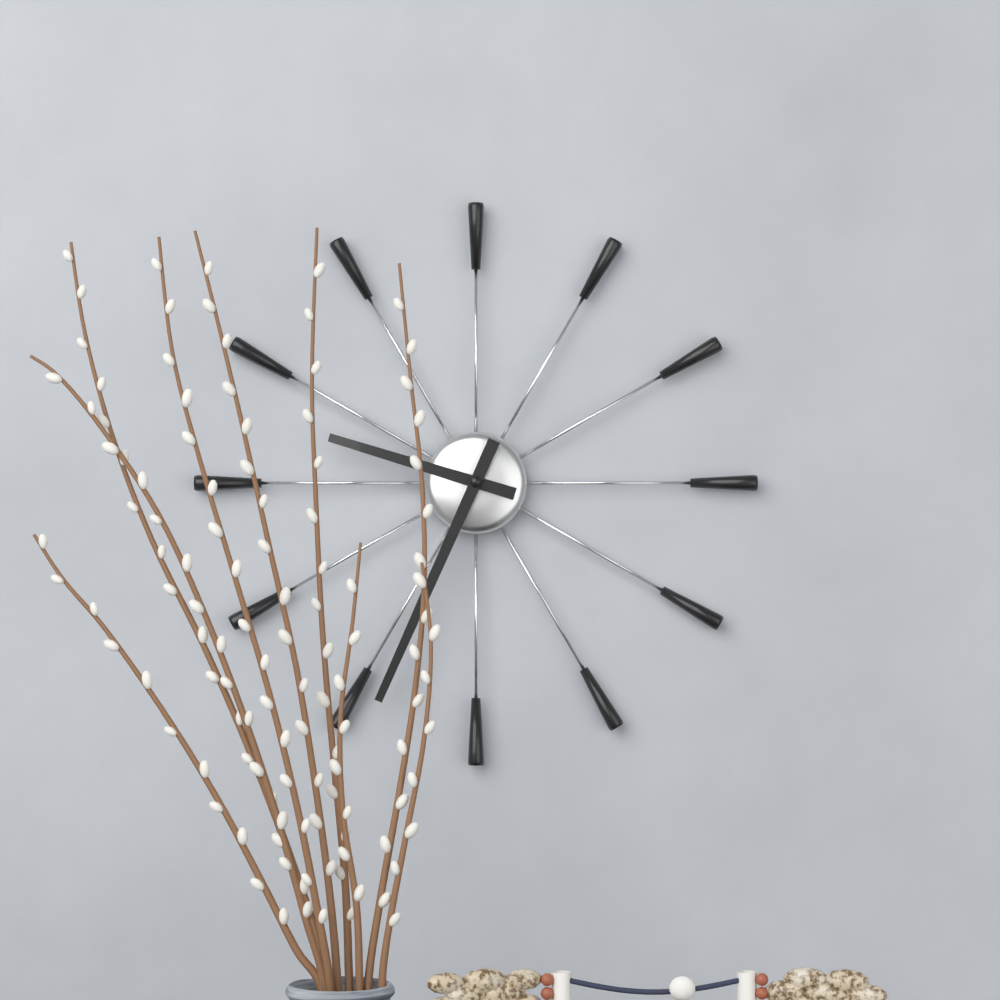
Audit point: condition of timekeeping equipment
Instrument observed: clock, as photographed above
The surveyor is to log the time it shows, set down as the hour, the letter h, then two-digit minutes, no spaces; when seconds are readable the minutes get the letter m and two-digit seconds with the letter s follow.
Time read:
9h34
